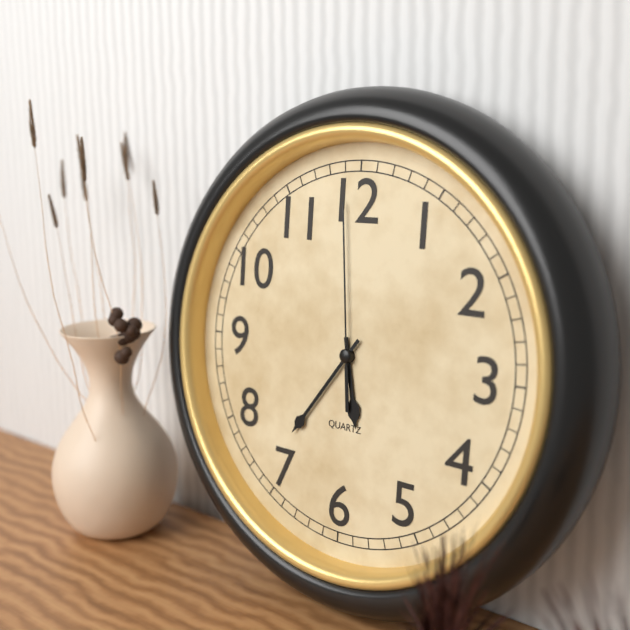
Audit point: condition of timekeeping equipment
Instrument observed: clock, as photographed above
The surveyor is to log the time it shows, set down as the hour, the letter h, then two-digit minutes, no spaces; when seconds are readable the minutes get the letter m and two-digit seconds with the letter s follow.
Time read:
5h36m59s
